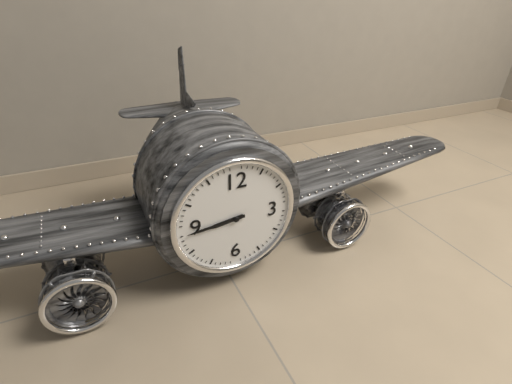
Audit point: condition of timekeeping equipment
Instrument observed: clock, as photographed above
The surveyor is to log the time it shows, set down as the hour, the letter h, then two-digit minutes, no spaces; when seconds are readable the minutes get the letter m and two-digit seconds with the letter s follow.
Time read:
8h44
